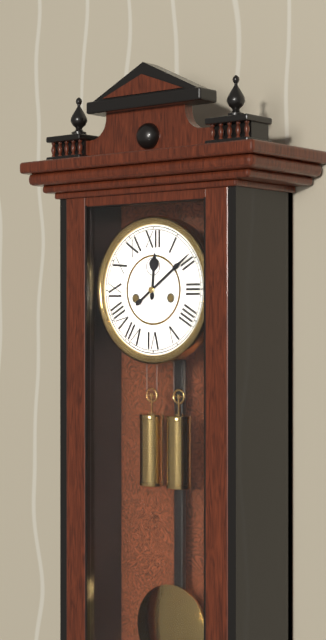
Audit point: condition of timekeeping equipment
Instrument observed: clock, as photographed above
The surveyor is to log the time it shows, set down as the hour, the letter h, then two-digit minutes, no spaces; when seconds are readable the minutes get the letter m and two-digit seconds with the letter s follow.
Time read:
12h09
